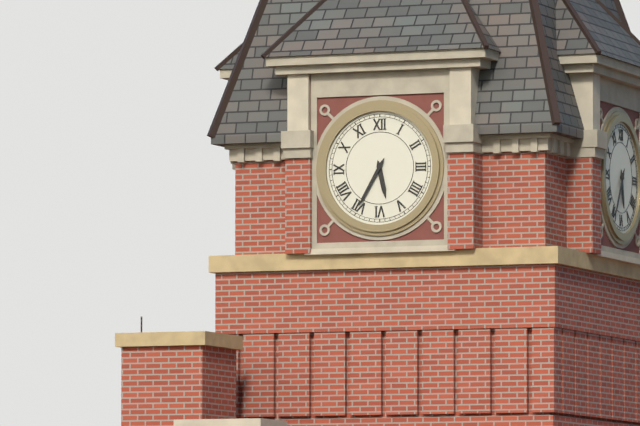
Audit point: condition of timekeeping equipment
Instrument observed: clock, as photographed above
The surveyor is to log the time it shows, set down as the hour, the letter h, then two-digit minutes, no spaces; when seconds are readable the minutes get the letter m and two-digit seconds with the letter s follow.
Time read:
5h35
